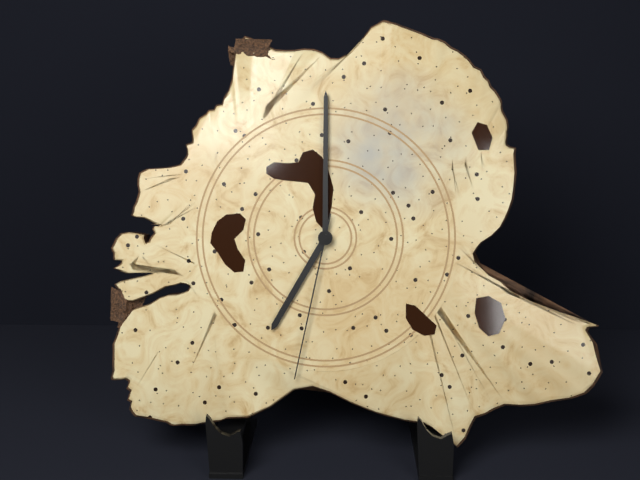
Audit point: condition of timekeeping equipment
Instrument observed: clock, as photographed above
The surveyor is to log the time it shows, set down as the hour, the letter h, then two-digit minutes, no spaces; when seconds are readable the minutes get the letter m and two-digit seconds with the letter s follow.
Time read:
7h00m32s
